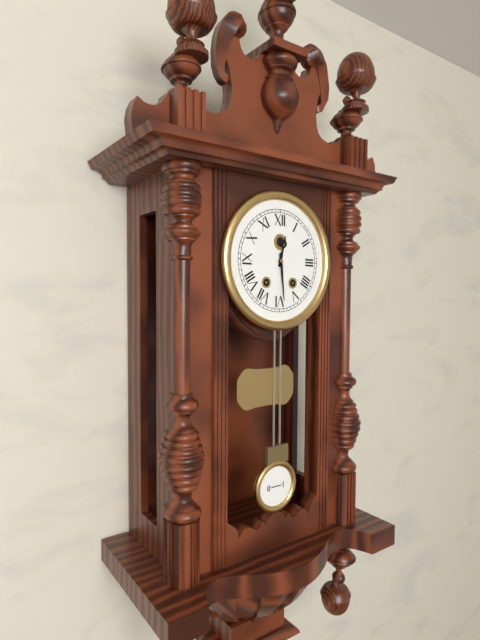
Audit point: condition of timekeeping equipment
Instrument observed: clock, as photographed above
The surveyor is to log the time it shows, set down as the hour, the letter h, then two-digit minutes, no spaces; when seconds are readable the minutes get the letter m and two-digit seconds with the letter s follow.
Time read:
12h29
